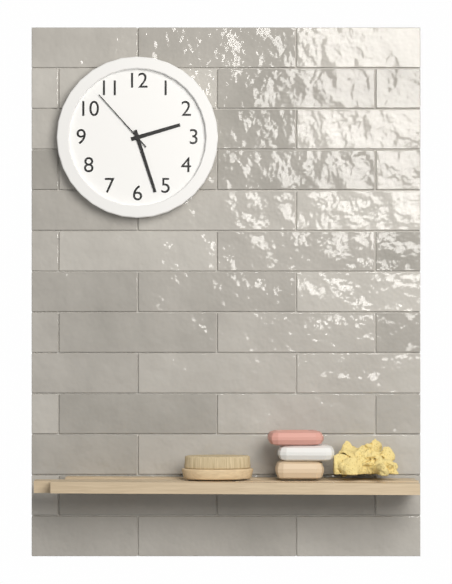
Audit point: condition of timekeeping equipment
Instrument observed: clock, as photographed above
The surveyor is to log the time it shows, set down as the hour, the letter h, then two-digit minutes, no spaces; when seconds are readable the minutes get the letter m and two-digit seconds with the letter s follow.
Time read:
2h27m53s
